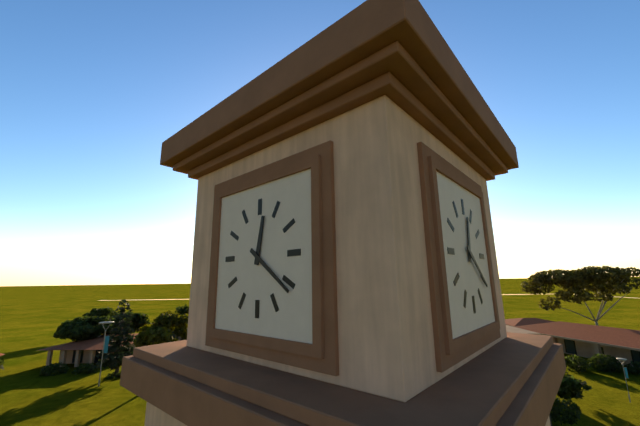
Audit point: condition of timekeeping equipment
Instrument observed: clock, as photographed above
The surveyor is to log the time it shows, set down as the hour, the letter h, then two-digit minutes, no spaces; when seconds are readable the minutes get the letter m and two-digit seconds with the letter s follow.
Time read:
12h21
